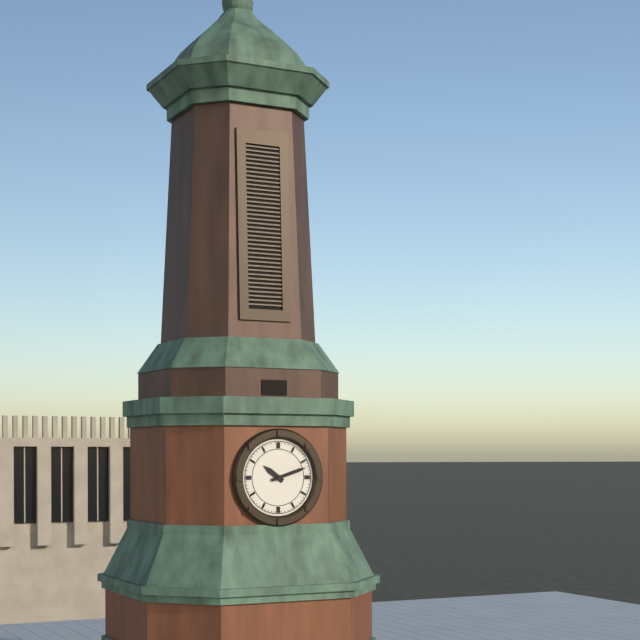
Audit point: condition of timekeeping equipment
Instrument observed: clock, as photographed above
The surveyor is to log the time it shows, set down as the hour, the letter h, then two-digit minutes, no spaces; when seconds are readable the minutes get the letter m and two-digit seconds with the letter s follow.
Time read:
10h12
